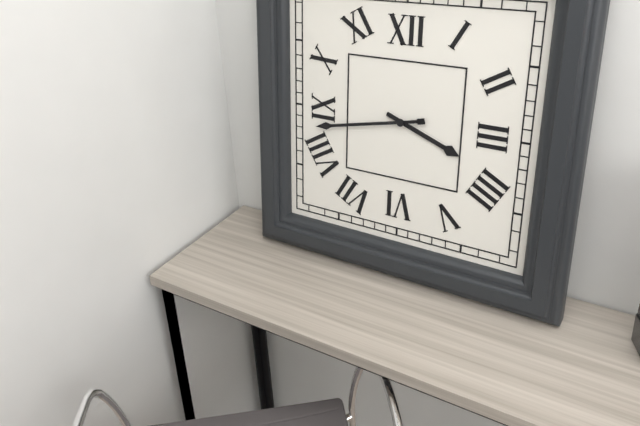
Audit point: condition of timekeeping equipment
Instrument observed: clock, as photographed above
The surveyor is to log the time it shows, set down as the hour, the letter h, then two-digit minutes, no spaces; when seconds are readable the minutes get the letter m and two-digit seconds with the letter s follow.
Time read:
3h43
